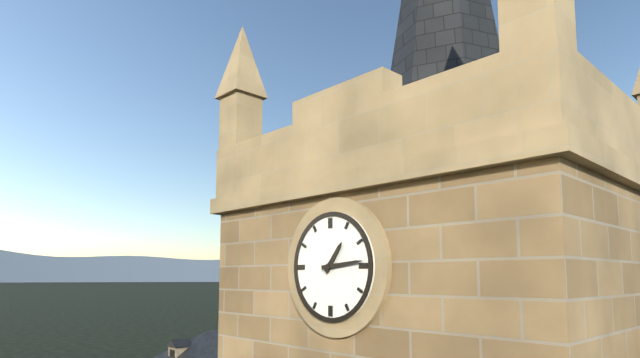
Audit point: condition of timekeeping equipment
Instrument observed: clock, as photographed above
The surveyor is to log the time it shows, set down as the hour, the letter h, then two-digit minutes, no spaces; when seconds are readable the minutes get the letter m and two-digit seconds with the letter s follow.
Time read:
1h14
